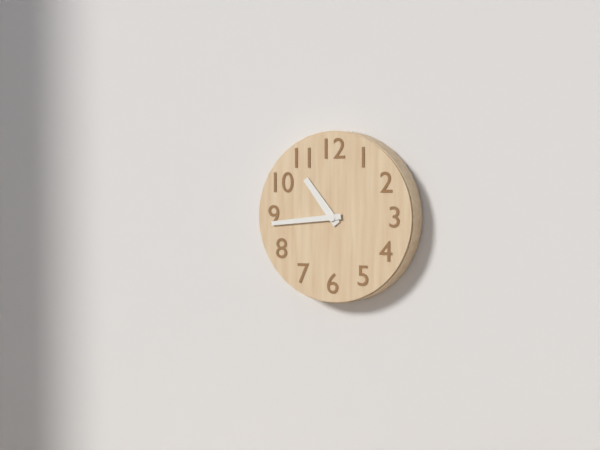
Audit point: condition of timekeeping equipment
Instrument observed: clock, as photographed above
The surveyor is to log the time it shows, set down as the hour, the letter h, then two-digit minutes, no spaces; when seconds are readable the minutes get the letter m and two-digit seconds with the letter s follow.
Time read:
10h44
